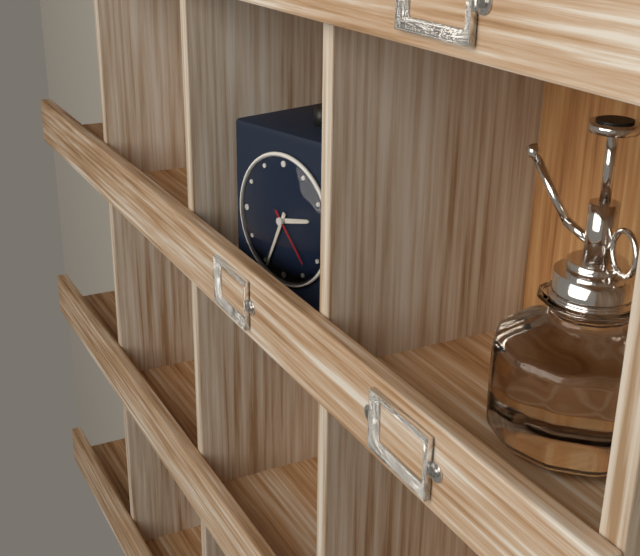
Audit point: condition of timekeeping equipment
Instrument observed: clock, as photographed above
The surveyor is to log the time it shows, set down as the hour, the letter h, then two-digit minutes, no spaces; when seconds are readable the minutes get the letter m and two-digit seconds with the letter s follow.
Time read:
2h34m23s
